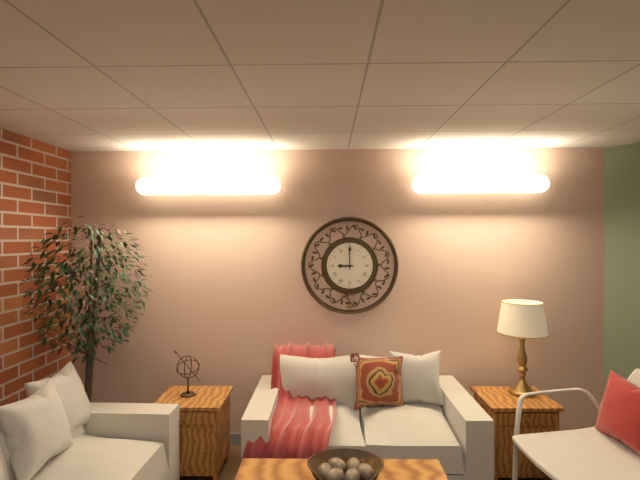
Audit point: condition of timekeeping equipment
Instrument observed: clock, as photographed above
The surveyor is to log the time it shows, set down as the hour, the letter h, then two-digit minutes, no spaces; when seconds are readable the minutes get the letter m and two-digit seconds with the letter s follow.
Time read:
9h00
